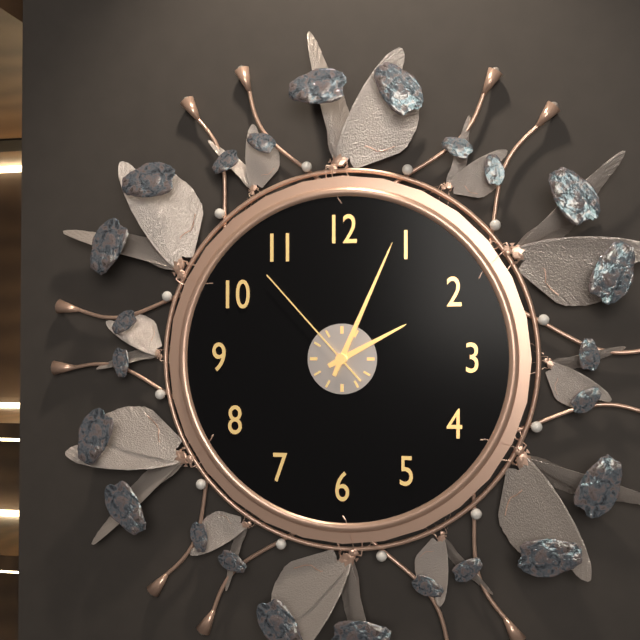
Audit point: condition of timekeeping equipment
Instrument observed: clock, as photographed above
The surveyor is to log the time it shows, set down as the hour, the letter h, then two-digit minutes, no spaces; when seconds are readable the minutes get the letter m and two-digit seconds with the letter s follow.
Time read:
2h04m53s
